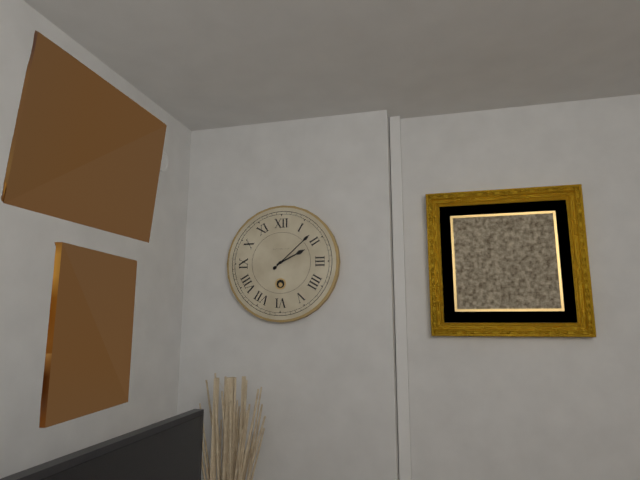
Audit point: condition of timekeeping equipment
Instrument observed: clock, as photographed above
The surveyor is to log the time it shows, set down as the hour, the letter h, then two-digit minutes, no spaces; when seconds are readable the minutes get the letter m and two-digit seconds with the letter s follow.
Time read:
2h08
